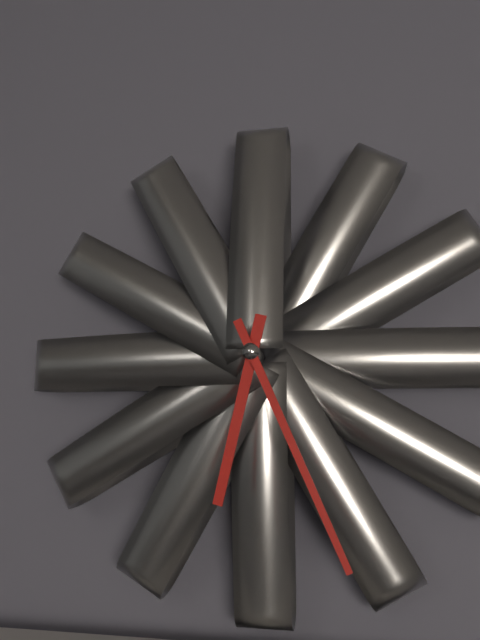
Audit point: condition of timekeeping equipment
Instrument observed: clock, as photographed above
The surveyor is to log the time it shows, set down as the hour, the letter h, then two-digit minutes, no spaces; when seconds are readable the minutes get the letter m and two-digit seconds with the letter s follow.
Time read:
6h26
